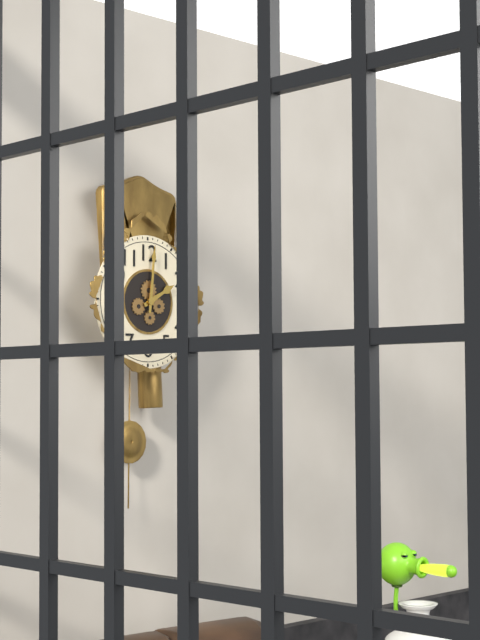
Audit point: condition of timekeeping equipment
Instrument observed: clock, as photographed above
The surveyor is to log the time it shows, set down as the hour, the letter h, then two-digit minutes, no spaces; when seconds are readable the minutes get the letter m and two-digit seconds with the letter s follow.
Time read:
2h01
